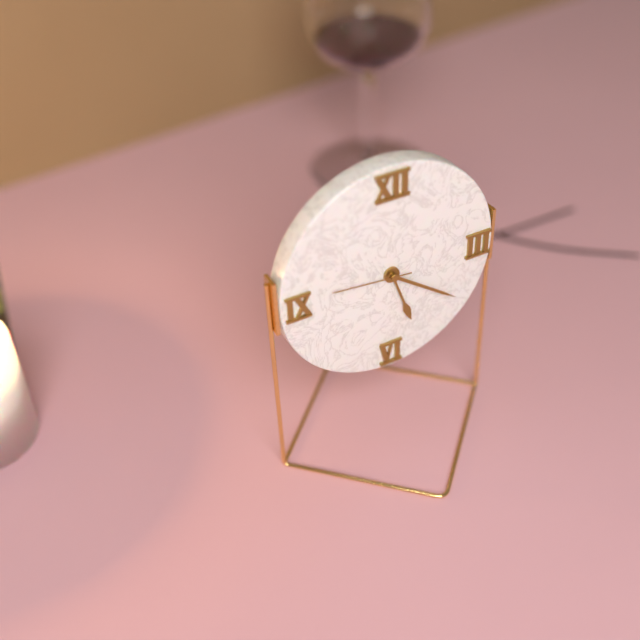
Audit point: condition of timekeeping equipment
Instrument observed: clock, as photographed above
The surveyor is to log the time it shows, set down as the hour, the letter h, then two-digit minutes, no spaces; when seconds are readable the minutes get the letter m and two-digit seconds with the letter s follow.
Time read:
5h21m46s
